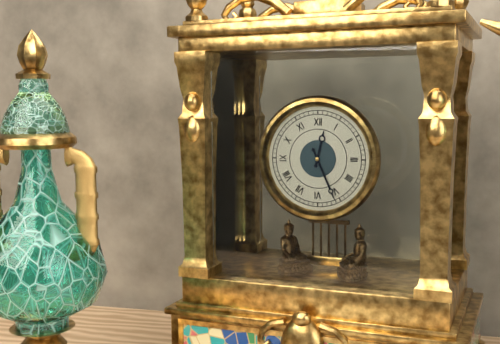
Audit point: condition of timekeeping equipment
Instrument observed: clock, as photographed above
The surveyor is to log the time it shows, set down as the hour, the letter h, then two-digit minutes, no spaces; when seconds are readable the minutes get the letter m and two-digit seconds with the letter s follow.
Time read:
12h26
